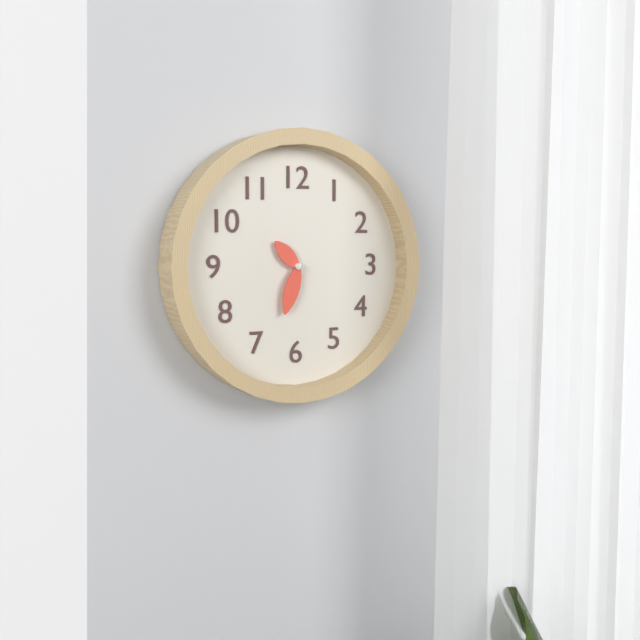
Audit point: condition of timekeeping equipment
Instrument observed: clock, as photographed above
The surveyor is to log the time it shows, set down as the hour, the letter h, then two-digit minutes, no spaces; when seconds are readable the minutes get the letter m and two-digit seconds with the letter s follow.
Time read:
10h33
